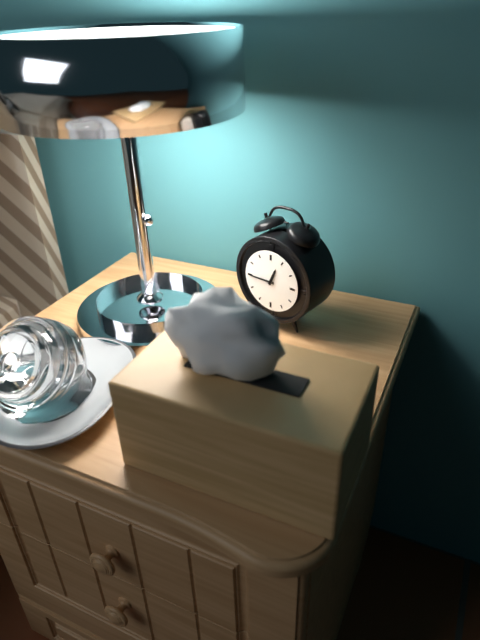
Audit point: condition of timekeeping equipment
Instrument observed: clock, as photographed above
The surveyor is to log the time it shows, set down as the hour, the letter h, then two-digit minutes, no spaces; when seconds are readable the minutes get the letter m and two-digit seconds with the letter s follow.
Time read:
12h45
